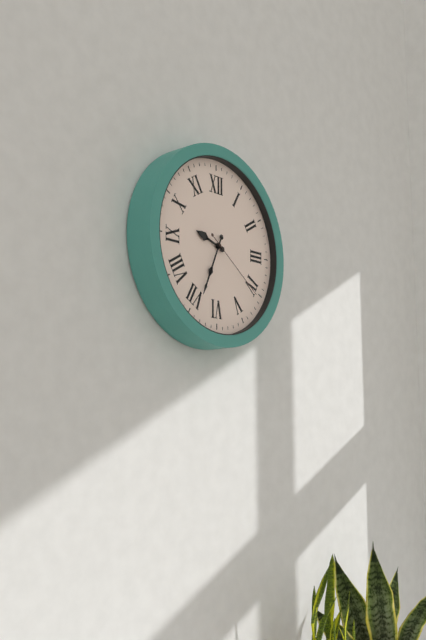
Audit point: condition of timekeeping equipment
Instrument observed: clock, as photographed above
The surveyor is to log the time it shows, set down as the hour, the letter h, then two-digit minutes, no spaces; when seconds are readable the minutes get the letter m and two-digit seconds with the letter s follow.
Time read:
9h34m21s
